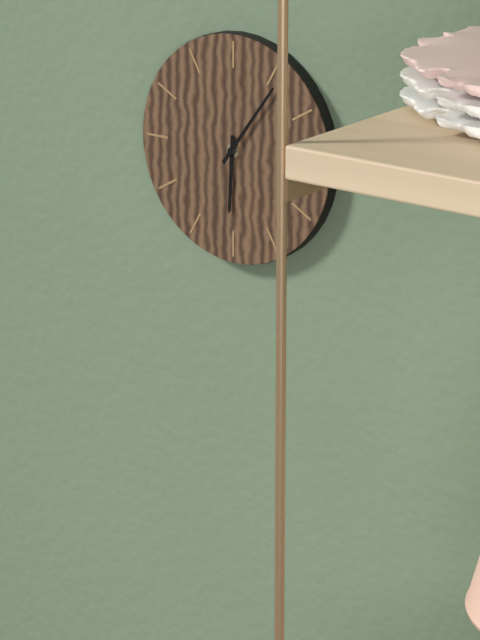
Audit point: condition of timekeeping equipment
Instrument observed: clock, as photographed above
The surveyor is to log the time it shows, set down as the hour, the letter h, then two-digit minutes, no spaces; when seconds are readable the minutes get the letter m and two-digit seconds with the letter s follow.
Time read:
6h06
